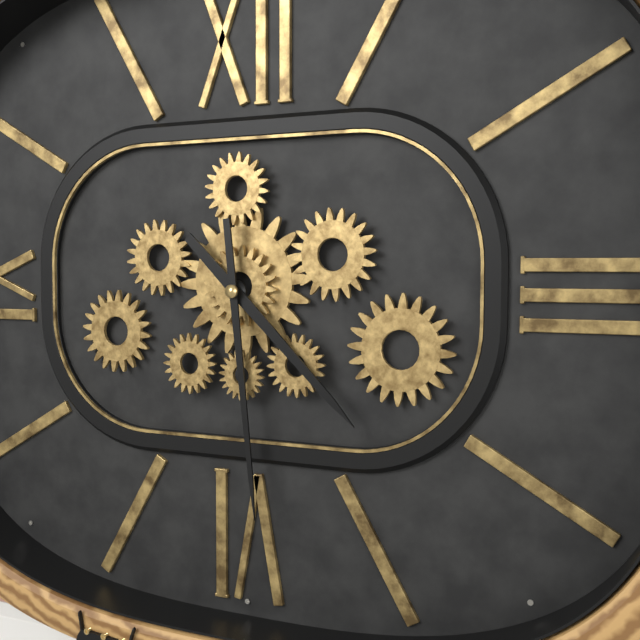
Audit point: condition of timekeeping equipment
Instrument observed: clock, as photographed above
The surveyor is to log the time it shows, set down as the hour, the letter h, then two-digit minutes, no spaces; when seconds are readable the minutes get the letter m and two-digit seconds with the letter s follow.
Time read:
4h29
